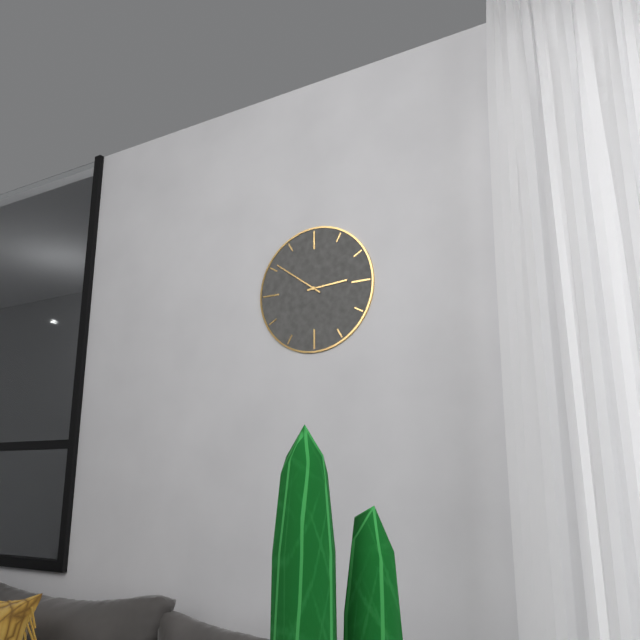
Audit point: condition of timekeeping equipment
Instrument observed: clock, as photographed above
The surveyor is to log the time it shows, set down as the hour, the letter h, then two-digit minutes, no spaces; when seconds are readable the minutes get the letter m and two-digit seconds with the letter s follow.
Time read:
2h51
